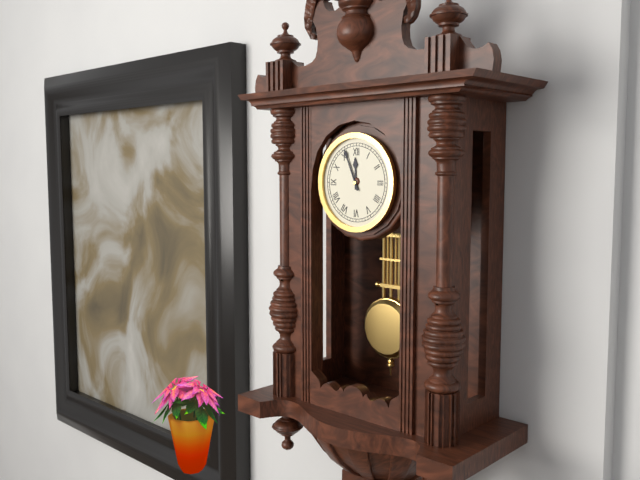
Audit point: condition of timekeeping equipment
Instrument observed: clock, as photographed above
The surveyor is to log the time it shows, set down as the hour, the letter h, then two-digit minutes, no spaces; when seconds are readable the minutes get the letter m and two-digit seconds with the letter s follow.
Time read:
11h56
